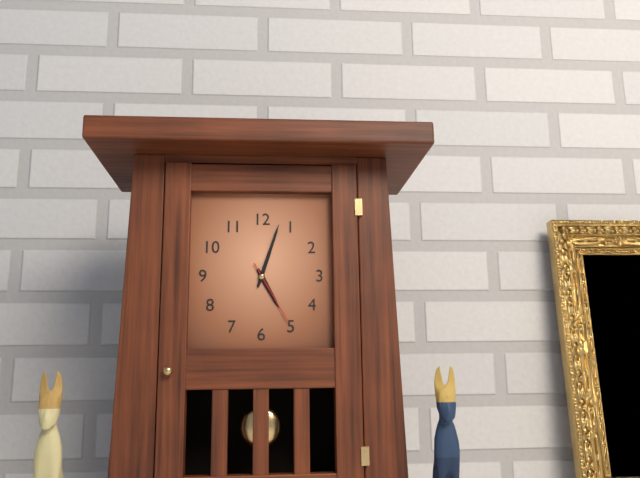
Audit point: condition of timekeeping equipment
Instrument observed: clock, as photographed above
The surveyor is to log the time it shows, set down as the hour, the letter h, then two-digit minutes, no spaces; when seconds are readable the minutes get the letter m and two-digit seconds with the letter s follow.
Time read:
5h03m25s
